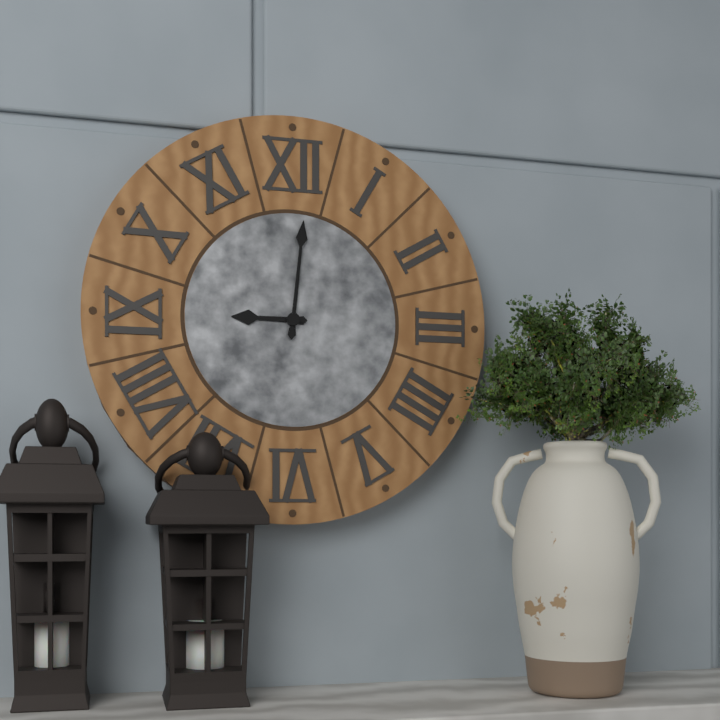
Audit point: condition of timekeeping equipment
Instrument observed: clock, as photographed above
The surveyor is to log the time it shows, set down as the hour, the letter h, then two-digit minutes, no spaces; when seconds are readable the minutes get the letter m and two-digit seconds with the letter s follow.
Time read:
9h01
